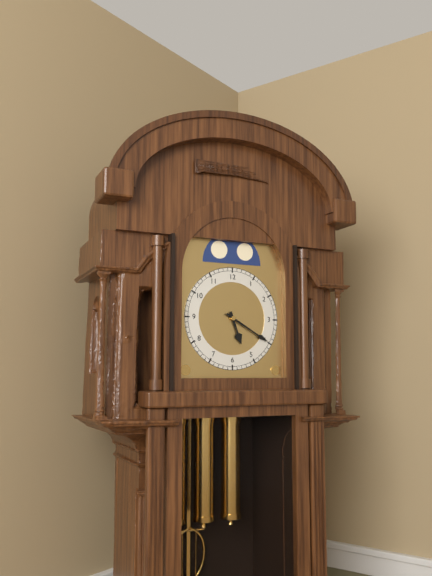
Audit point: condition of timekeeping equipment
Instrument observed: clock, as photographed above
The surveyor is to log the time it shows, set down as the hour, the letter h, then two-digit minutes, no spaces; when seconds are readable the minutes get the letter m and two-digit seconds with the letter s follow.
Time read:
5h20
